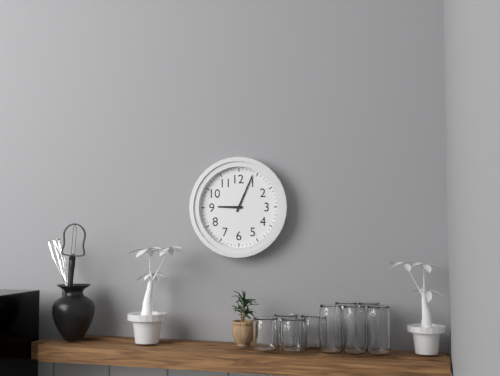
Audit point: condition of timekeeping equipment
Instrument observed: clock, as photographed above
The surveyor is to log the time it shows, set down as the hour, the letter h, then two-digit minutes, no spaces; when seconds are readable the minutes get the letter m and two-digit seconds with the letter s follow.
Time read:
9h04
